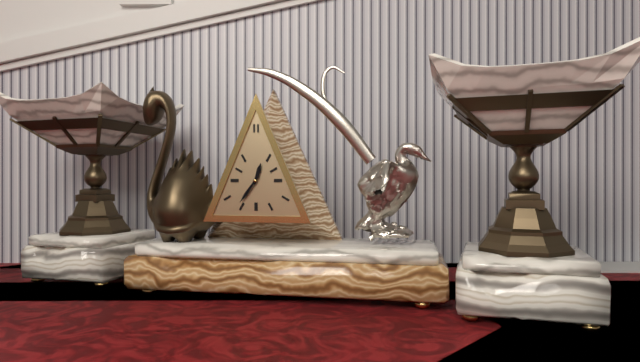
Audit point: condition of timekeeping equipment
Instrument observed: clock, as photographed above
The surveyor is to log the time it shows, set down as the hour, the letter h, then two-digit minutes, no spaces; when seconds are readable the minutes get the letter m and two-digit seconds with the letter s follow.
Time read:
12h36
